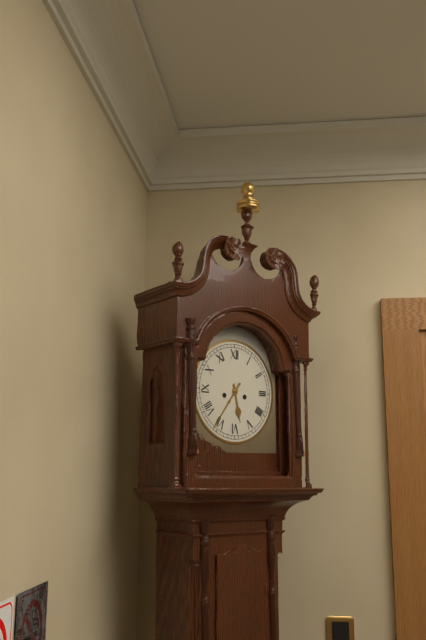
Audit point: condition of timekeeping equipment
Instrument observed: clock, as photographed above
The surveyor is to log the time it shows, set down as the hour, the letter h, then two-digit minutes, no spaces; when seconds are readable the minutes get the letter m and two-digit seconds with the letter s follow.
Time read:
5h36
